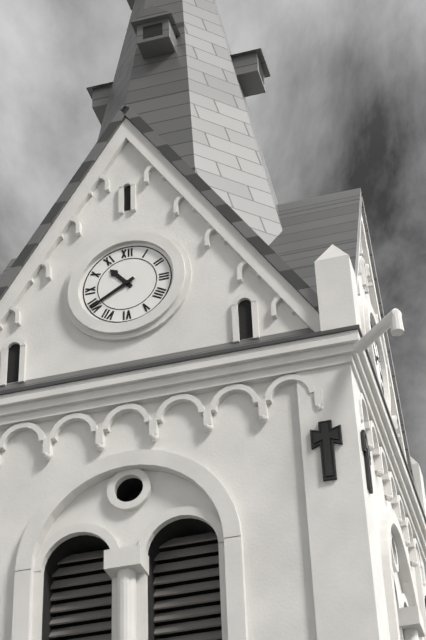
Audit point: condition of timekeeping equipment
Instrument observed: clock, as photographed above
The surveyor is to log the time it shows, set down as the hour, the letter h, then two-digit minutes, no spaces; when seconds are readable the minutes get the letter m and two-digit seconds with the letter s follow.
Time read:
10h40
